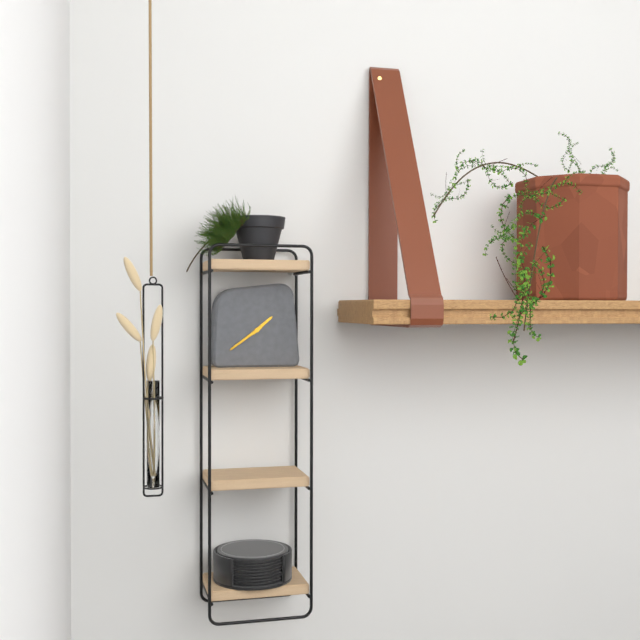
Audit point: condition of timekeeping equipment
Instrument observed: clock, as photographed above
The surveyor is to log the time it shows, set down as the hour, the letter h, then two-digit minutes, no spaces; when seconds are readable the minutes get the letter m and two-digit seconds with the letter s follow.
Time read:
1h39
